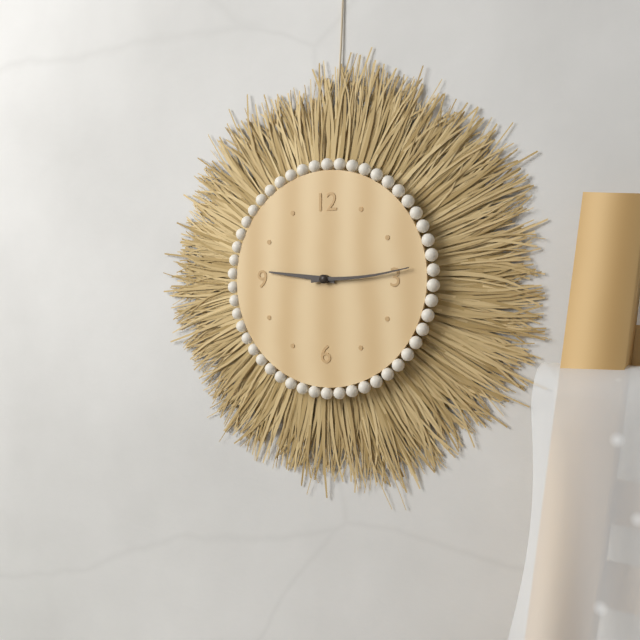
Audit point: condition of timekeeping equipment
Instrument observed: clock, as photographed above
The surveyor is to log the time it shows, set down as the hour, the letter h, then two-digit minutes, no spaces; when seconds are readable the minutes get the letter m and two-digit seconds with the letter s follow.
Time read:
9h14
